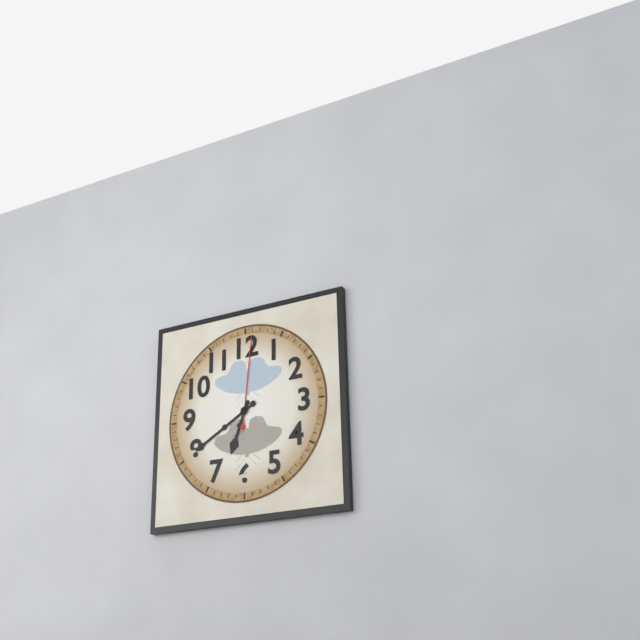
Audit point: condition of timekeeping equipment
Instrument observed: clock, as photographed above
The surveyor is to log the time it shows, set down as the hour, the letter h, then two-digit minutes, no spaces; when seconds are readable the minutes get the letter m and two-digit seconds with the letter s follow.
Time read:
6h40m01s
